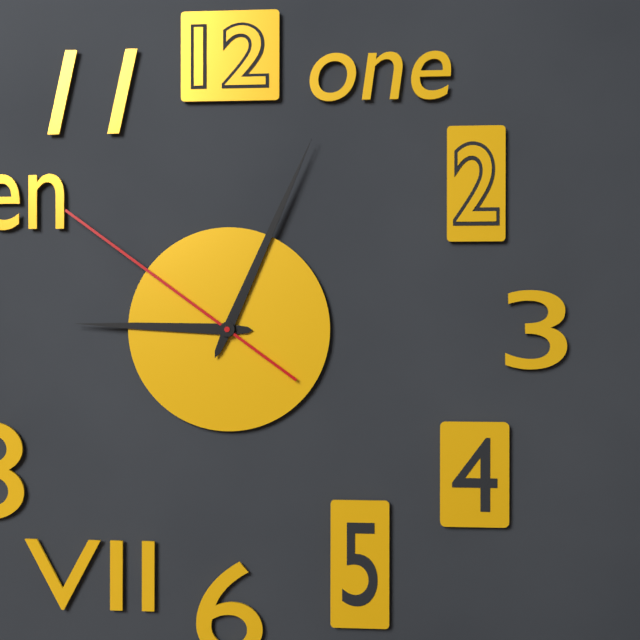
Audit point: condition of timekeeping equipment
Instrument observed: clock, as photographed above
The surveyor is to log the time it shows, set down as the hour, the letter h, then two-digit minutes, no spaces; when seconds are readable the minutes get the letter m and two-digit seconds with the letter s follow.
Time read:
9h04m51s
